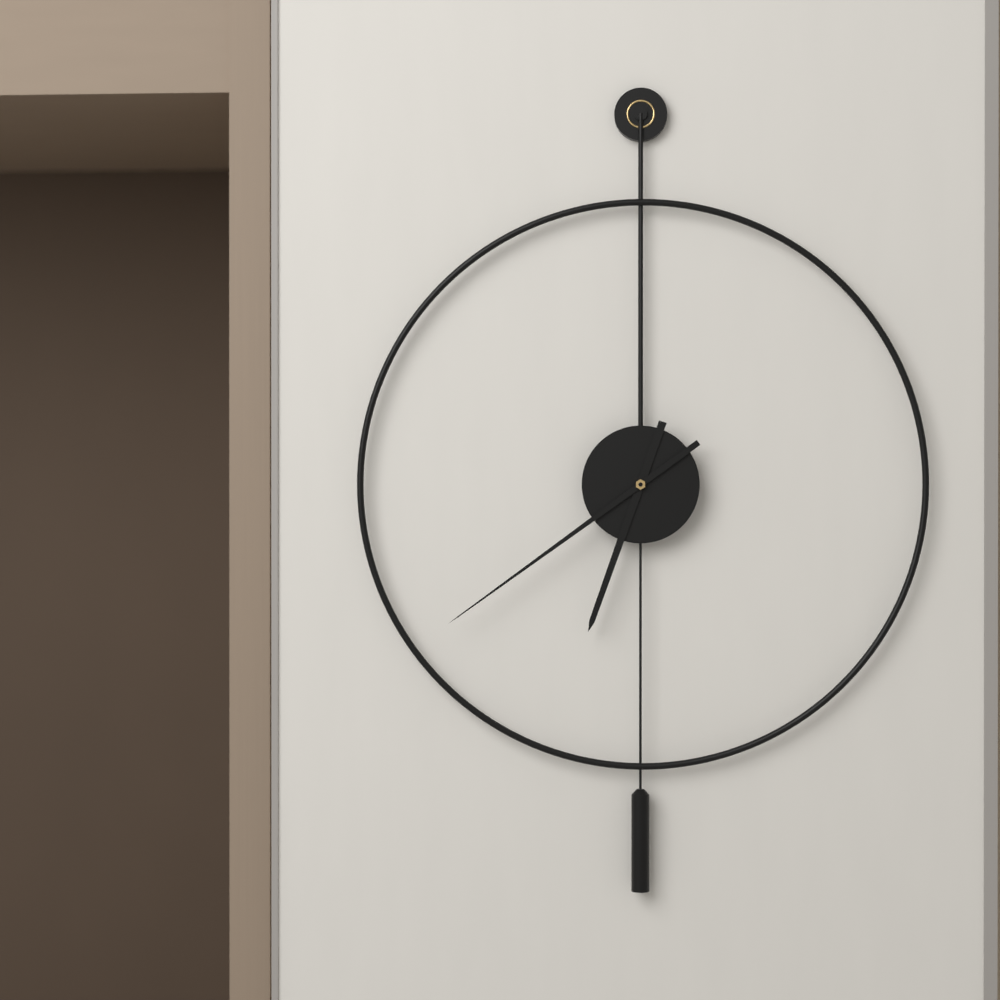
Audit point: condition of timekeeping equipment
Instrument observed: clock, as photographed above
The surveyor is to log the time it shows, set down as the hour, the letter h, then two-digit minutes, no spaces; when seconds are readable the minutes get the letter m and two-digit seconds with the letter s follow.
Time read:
6h39
